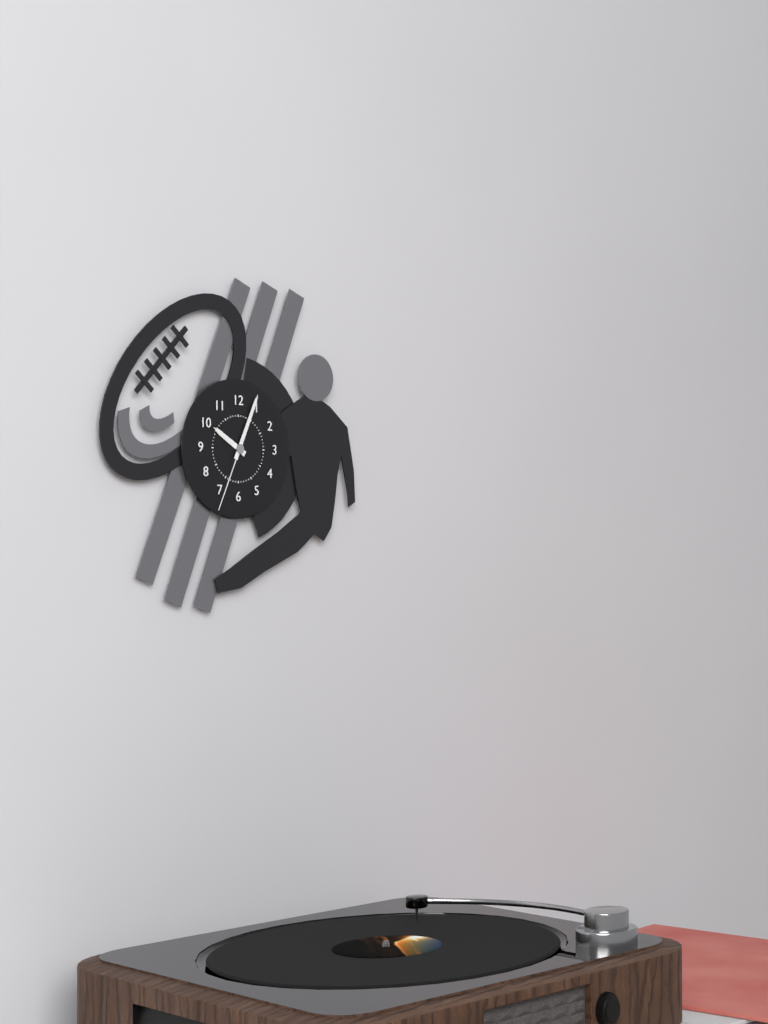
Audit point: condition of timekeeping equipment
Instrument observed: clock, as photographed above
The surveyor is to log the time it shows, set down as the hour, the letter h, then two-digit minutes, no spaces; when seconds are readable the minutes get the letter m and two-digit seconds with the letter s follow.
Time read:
10h04m34s
